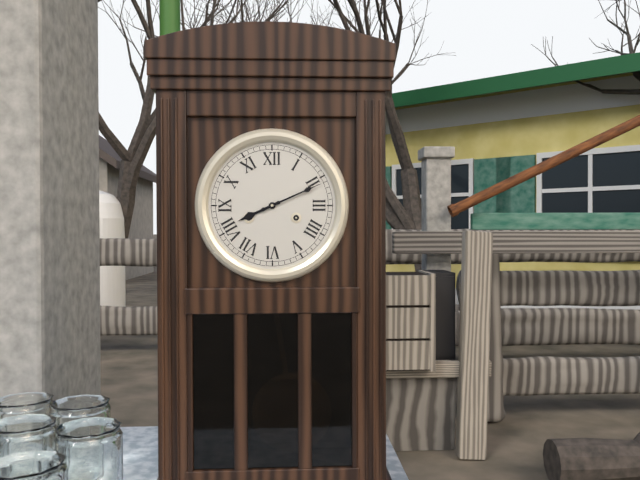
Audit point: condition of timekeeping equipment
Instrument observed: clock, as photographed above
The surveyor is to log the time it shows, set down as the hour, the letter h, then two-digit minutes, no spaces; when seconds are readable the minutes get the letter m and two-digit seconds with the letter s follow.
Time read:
8h11
